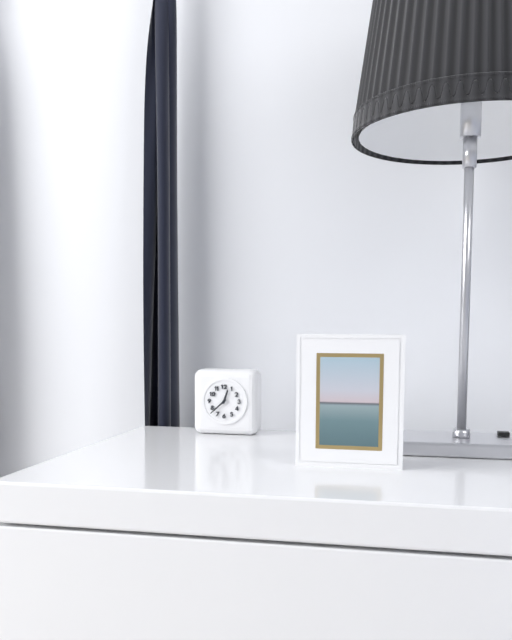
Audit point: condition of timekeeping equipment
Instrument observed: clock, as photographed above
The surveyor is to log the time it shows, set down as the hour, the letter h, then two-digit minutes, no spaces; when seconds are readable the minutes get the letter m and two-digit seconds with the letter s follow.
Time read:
12h38
